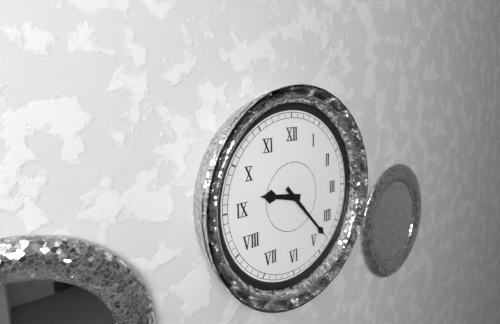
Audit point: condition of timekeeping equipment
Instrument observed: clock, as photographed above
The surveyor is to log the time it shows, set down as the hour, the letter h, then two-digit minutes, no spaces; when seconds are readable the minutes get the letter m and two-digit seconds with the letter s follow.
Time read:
9h23
